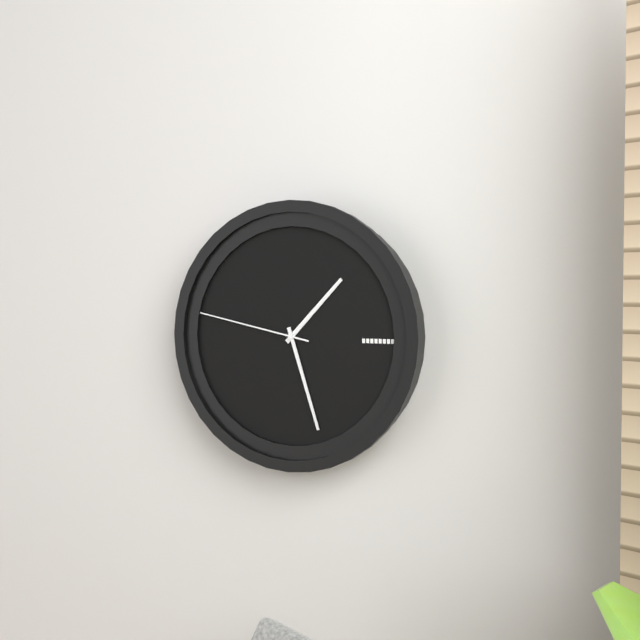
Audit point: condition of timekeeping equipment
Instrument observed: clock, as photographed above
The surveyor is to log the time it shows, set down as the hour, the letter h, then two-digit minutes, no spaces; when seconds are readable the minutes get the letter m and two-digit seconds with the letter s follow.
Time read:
1h27m47s
